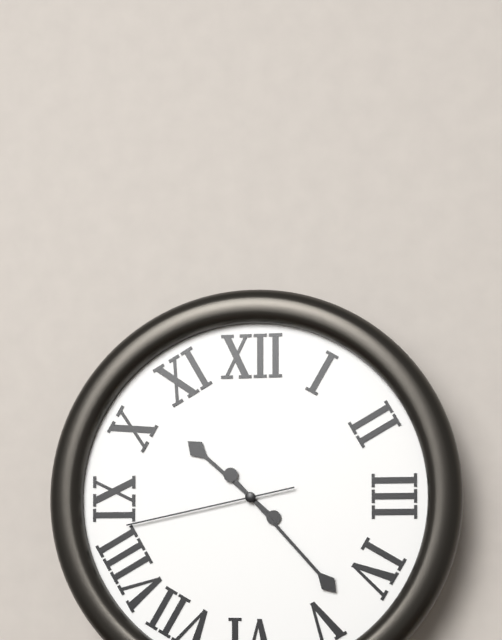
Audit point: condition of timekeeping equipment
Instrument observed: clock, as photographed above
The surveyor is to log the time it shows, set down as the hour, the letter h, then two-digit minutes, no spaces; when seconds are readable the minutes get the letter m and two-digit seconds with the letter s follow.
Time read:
10h23m43s
